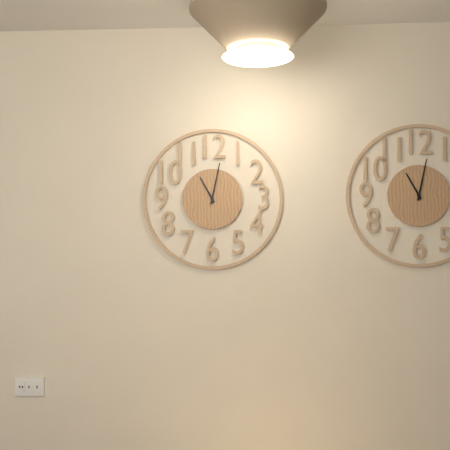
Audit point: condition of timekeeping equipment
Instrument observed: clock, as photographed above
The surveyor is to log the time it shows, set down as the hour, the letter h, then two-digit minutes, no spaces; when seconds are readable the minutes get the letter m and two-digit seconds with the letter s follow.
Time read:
11h02
